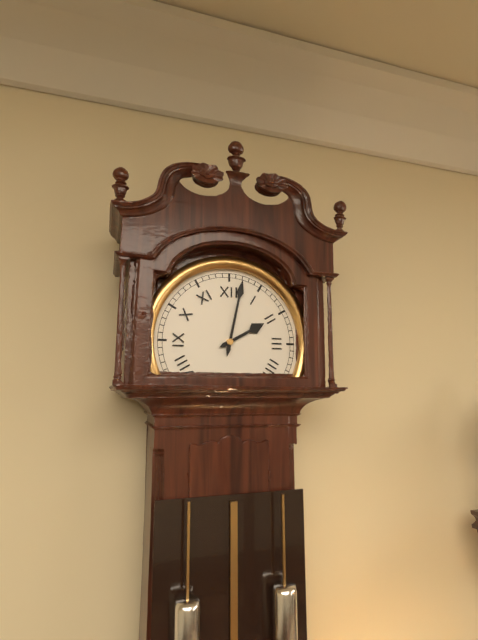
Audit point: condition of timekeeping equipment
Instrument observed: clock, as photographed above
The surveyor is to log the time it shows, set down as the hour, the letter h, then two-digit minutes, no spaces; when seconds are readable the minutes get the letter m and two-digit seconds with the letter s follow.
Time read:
2h02
